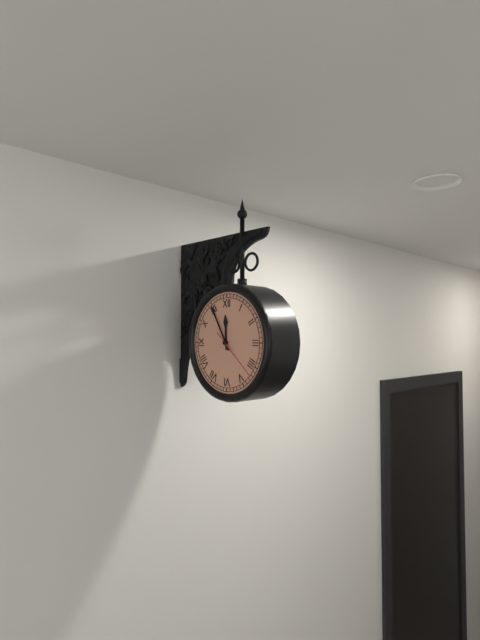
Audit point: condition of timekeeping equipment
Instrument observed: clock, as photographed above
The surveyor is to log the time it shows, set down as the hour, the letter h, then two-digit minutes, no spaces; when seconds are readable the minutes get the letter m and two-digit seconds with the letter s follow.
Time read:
11h55
